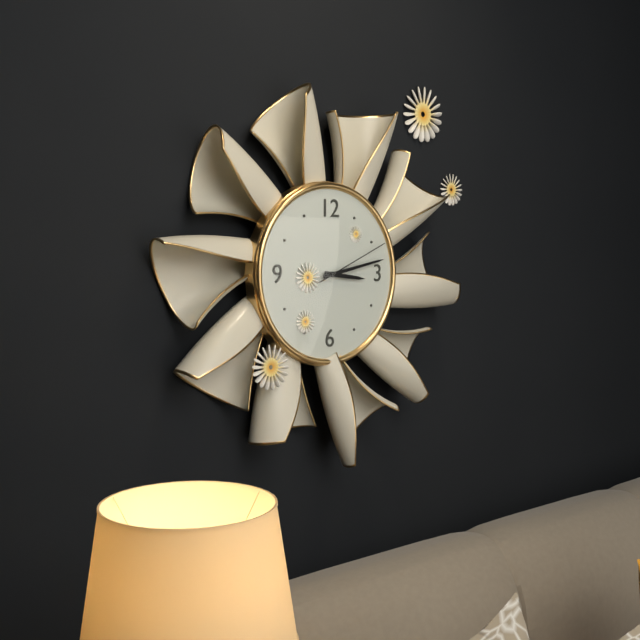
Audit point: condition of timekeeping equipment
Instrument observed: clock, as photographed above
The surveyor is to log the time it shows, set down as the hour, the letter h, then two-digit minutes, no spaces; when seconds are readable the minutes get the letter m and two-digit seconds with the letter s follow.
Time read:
3h13m11s
